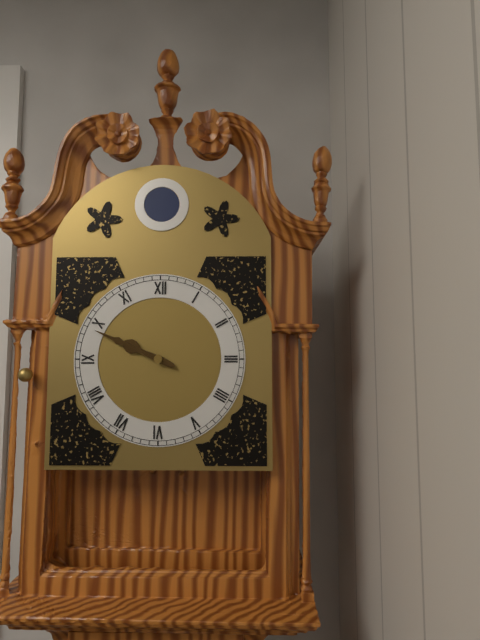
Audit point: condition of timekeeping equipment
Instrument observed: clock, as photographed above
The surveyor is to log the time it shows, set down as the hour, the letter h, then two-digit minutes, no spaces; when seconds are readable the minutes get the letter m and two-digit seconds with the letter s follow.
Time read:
9h49
